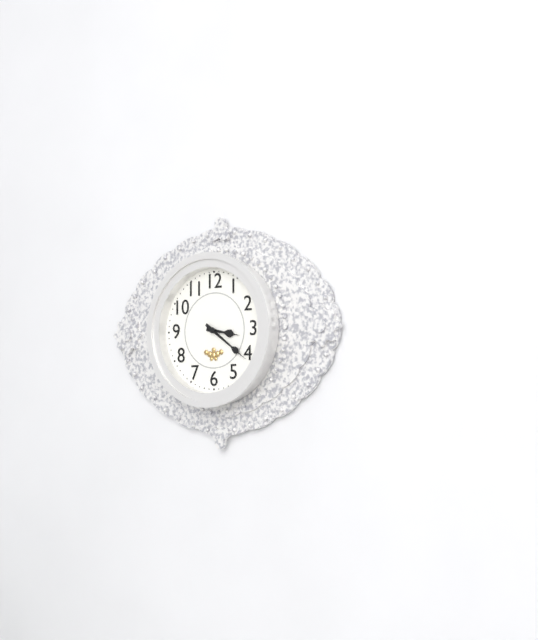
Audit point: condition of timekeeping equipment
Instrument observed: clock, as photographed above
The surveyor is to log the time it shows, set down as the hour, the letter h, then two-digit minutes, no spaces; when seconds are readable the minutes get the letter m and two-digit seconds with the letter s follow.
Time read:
3h21
